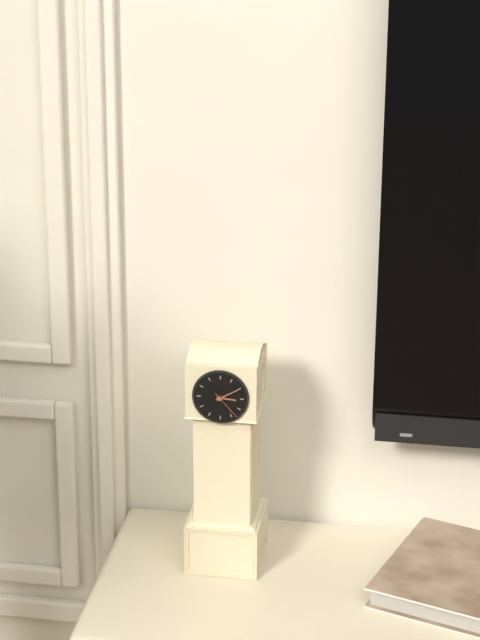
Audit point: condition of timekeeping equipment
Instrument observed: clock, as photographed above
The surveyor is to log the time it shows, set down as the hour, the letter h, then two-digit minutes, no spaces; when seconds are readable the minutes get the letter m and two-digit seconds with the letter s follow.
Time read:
3h10
